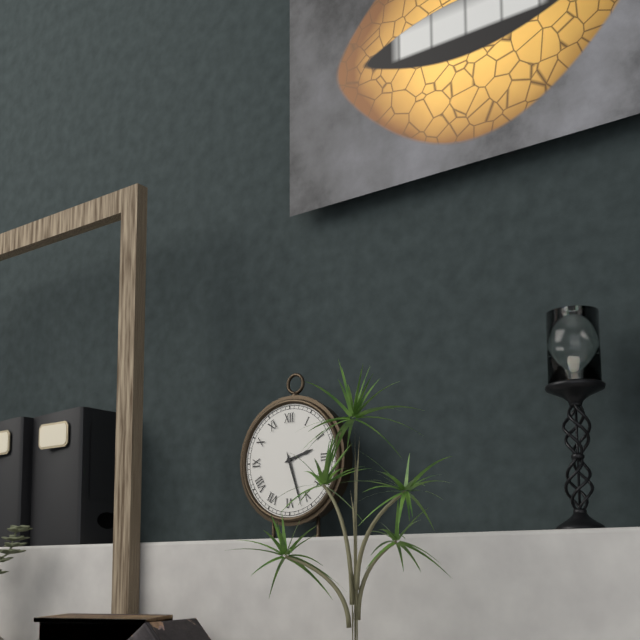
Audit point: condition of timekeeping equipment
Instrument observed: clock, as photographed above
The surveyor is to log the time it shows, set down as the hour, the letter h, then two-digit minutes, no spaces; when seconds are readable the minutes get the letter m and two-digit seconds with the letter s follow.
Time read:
2h27
